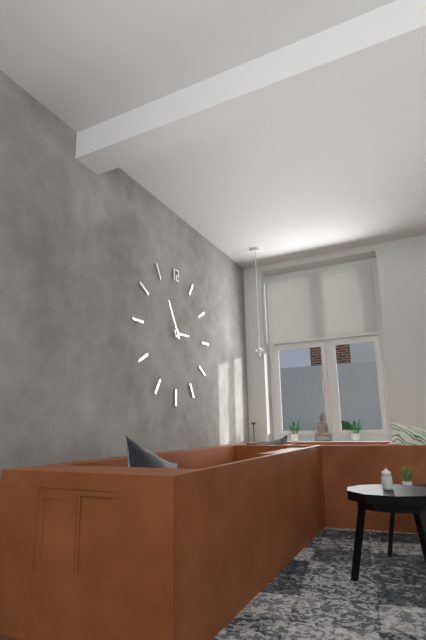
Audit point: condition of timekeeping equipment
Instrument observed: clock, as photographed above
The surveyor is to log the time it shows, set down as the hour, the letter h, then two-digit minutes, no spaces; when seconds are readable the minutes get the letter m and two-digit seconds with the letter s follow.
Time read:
2h55
